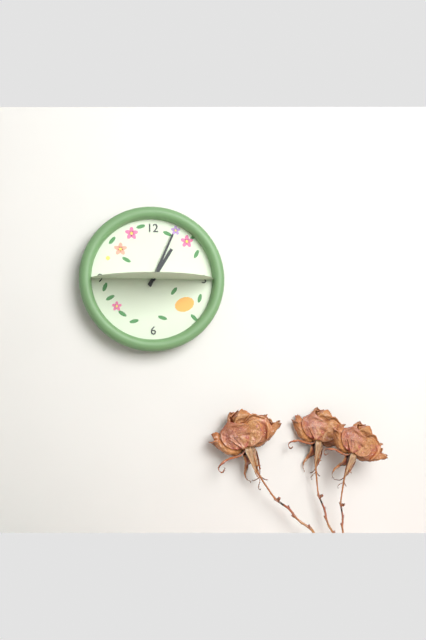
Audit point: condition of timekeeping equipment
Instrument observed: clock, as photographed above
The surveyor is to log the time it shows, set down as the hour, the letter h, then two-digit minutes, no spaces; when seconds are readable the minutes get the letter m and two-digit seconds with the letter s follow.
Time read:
1h04
